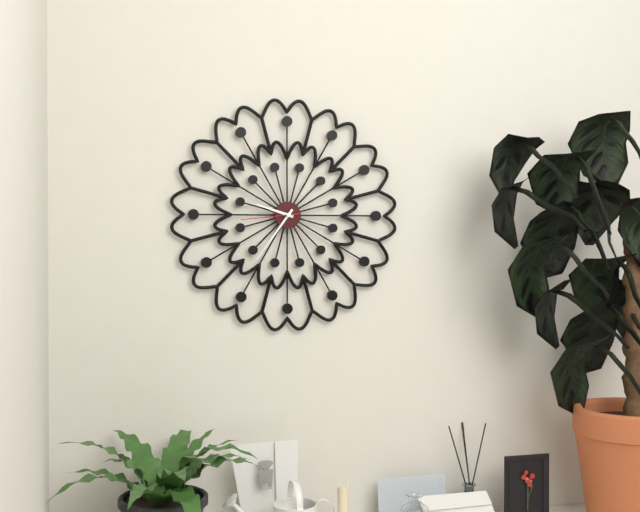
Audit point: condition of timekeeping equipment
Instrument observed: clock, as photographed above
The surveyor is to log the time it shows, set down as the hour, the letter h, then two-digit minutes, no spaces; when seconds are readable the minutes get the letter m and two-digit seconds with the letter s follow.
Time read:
9h36m44s
